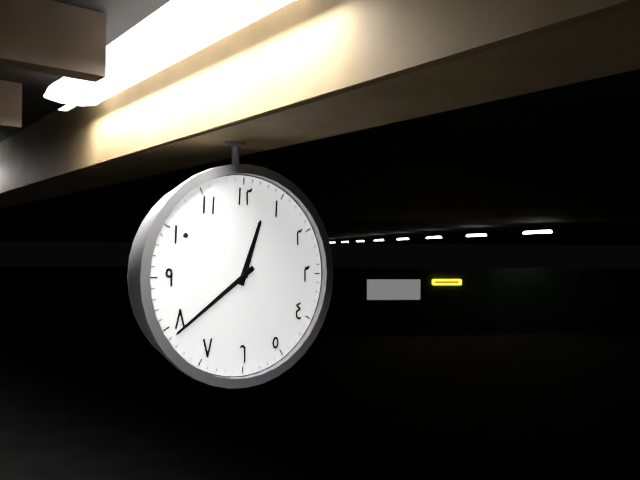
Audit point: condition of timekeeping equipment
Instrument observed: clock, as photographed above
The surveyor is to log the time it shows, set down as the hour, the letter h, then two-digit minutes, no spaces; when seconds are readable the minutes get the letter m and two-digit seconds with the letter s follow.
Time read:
12h39
